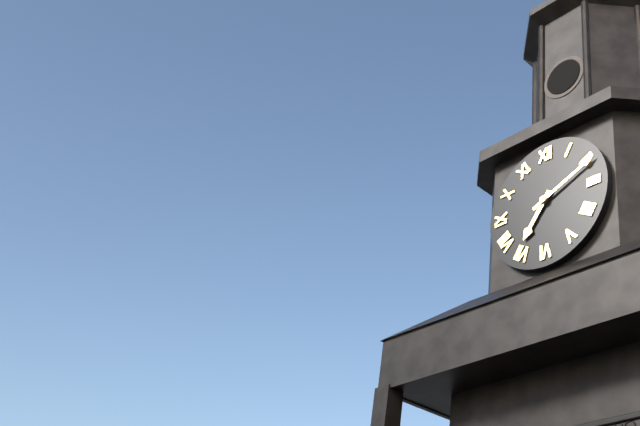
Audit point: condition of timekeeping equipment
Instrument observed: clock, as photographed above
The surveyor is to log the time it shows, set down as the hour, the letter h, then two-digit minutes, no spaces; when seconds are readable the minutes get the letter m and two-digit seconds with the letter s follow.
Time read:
7h11
